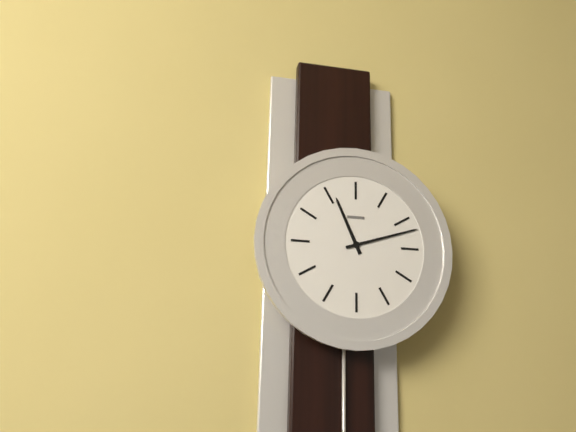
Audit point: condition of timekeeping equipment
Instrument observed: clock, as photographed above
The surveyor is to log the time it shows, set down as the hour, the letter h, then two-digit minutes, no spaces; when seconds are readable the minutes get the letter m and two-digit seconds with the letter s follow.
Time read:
11h12
